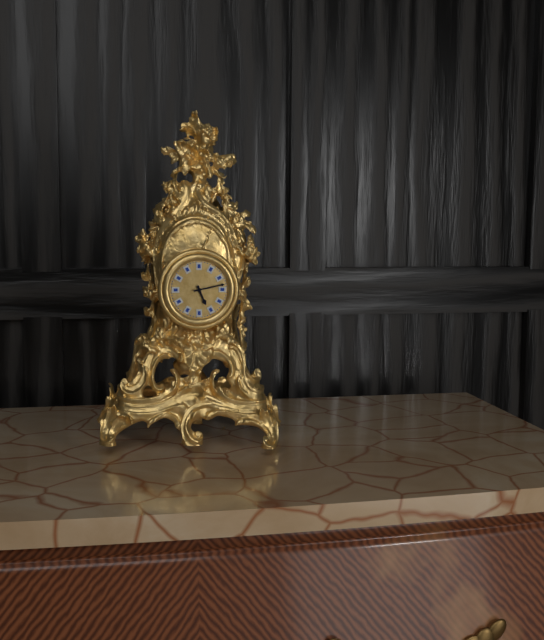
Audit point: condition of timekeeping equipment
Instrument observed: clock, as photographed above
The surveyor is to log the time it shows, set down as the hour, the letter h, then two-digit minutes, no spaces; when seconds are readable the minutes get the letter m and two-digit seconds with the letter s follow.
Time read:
5h13
